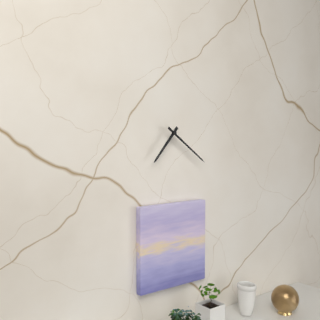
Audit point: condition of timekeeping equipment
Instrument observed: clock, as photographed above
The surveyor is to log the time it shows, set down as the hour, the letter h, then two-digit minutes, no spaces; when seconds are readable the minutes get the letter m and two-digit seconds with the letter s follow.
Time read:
7h21
